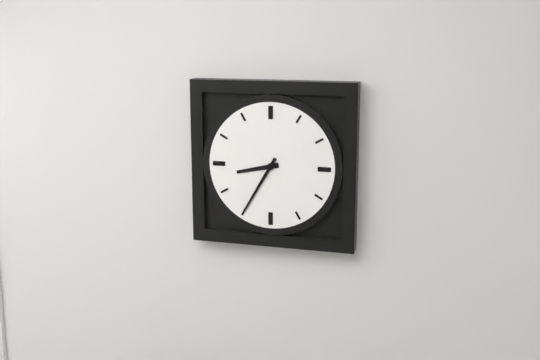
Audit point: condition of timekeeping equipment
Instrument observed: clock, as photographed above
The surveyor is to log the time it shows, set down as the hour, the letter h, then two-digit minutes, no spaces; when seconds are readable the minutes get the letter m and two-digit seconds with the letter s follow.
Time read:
8h35
